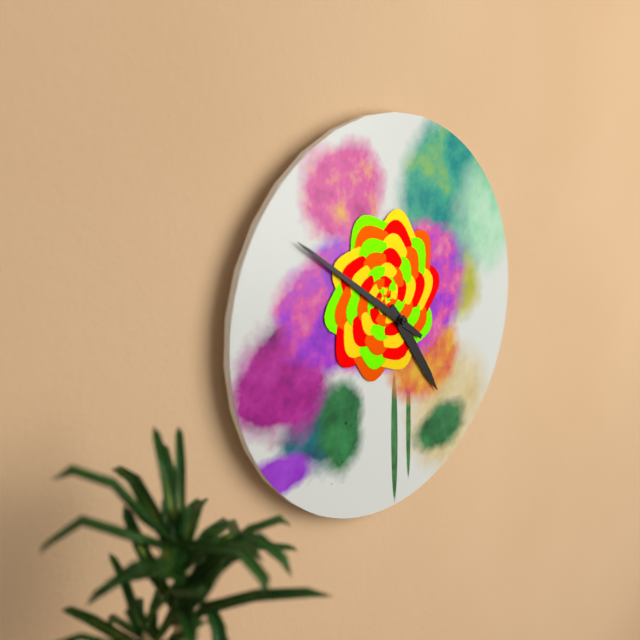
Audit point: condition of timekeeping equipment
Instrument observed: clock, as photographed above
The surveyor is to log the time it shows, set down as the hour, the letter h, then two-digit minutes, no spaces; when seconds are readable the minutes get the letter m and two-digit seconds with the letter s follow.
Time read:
4h51
